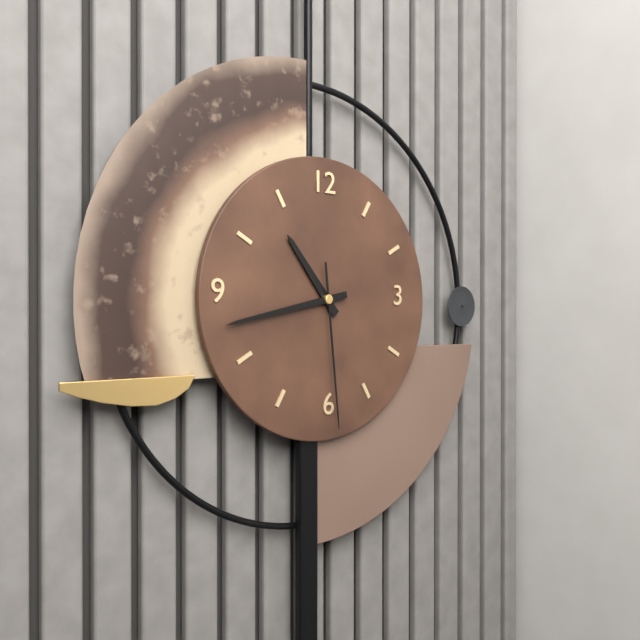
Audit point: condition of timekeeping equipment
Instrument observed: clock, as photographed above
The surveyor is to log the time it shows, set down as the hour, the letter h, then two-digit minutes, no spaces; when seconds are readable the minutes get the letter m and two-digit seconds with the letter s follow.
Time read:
10h43m29s
